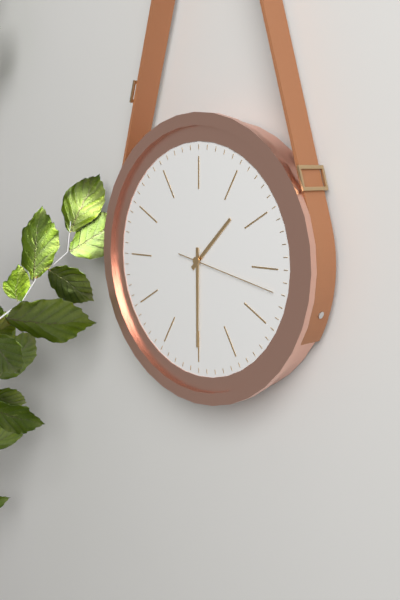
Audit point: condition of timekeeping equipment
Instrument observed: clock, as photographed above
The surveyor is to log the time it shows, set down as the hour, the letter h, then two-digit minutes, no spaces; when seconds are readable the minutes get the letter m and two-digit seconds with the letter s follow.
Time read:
1h30m17s
